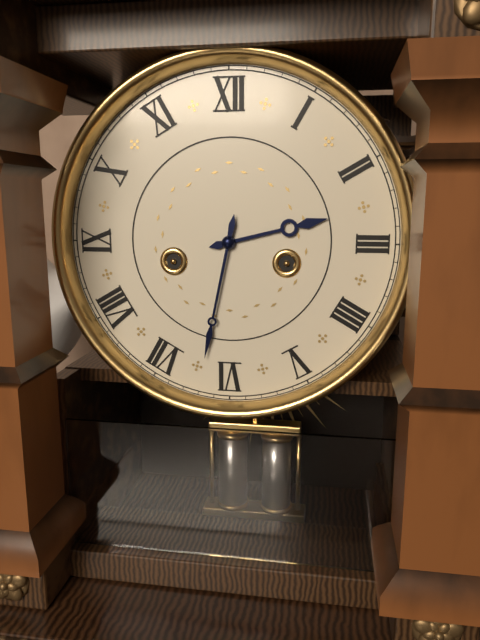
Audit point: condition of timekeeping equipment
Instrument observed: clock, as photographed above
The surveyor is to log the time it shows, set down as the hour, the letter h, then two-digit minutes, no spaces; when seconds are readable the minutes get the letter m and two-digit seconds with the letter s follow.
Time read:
2h32
